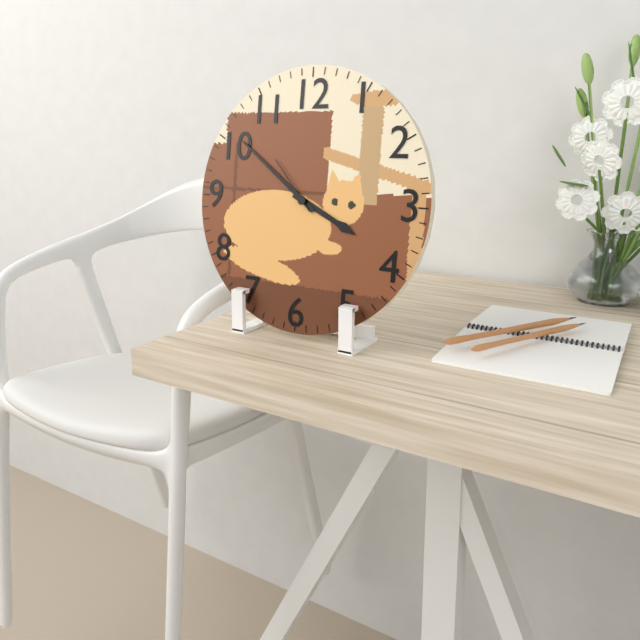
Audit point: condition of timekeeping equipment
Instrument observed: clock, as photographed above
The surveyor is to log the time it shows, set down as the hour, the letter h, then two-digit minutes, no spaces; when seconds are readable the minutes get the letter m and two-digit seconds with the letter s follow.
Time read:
3h51m53s
